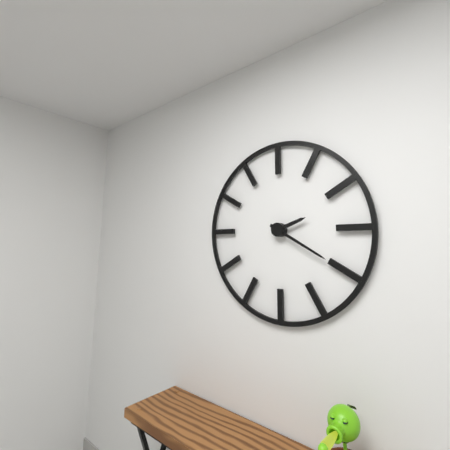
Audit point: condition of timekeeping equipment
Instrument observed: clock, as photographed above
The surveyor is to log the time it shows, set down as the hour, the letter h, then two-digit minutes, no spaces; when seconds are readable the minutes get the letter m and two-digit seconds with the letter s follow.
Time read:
2h20
